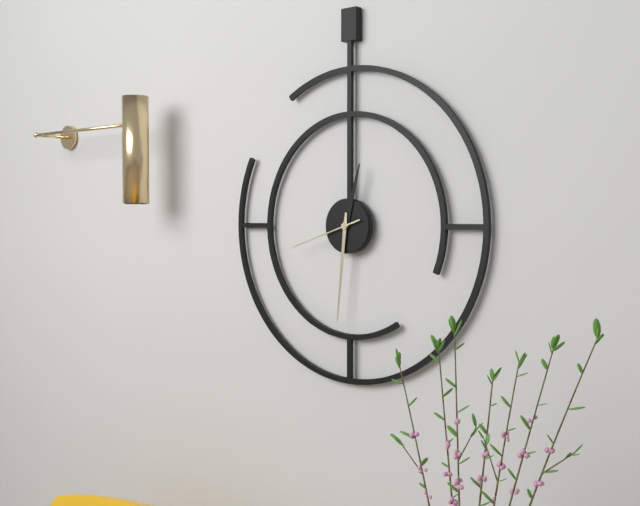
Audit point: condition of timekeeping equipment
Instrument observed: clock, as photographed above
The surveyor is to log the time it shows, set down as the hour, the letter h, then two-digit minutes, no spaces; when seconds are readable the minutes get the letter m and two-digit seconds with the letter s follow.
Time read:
12h31m42s
